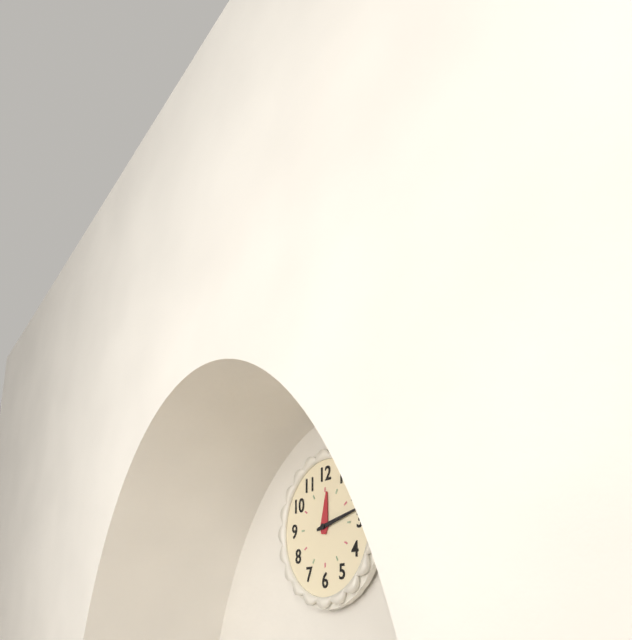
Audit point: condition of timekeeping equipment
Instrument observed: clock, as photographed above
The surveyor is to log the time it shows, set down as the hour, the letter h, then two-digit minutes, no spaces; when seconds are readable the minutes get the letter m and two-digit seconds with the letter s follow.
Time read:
12h13
